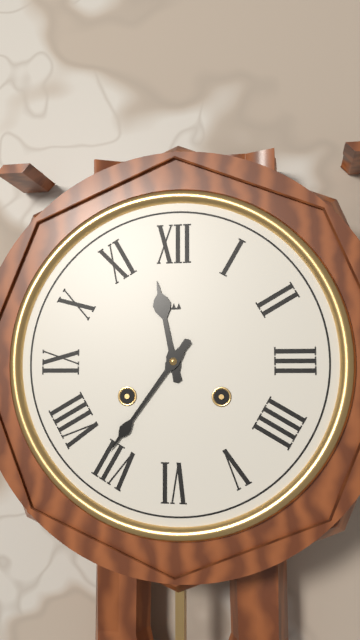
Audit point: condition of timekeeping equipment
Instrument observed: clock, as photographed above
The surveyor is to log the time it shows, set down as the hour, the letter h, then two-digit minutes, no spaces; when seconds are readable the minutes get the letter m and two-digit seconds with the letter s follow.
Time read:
11h36
